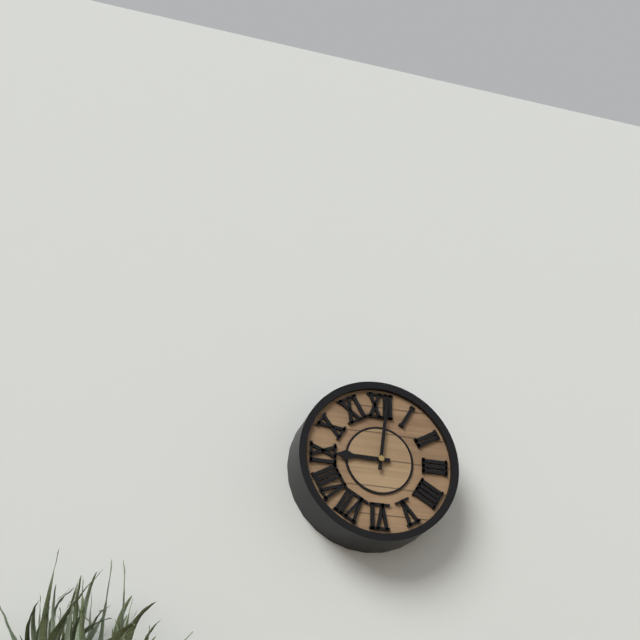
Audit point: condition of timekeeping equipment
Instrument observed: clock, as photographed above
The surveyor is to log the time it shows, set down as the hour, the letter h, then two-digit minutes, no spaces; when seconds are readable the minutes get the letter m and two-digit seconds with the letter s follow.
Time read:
9h01
